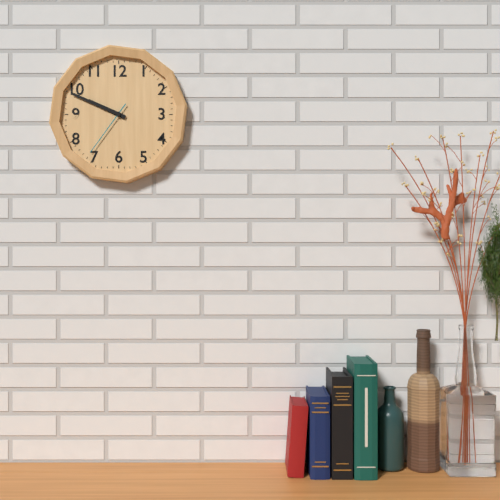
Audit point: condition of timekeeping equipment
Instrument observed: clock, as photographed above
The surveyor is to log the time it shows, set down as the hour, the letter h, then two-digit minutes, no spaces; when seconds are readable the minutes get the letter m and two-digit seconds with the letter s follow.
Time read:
9h49m36s
